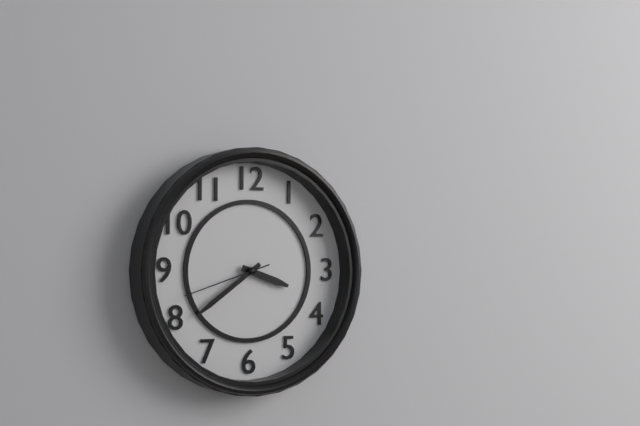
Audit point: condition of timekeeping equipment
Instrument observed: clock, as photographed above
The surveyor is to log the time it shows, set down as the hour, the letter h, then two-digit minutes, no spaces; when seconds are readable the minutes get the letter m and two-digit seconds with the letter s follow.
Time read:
3h39m42s
